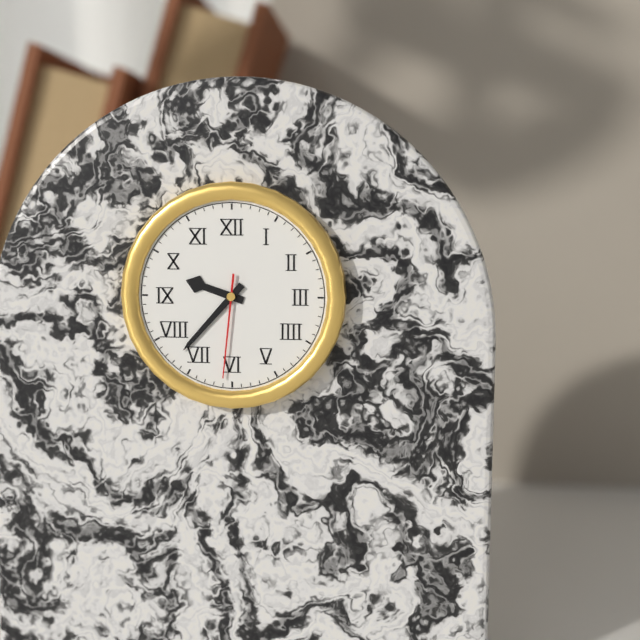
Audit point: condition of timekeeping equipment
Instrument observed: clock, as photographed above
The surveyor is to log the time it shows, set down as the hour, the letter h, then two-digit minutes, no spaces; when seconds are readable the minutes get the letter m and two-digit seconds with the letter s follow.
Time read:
9h37m31s
